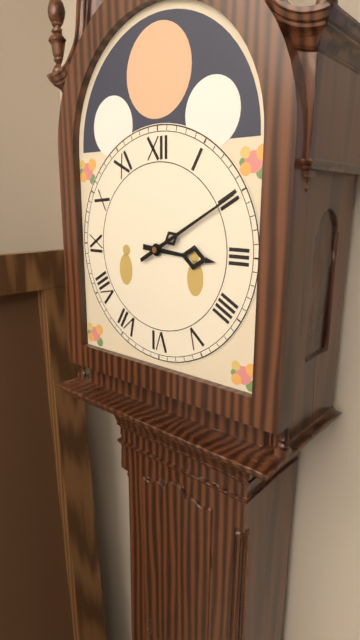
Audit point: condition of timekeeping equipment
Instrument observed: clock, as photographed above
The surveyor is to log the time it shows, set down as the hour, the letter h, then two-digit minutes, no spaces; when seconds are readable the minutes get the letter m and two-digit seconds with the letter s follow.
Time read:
3h10
